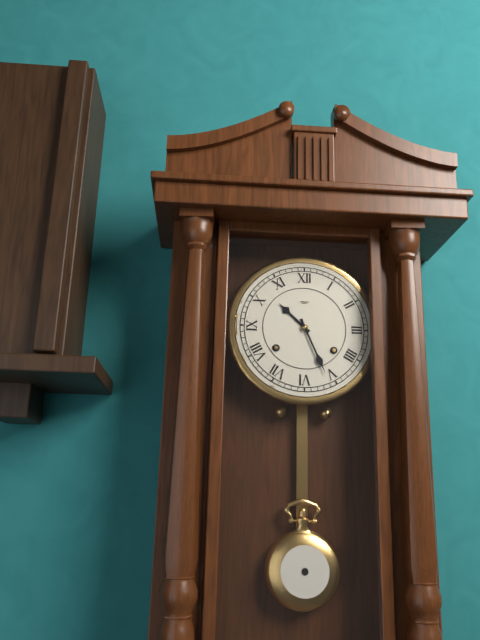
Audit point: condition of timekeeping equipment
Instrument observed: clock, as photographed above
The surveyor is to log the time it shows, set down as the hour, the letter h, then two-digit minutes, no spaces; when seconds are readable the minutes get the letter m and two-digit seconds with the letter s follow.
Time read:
10h26
